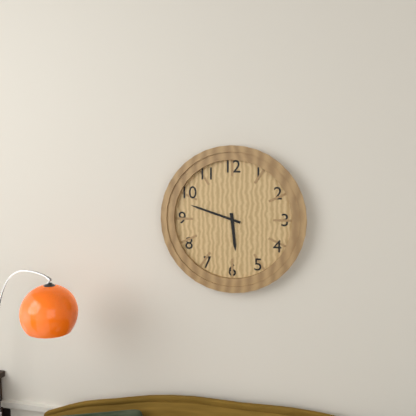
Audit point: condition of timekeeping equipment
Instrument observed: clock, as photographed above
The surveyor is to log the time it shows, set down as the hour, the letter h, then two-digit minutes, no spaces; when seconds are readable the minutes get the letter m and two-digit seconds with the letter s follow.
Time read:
5h48
